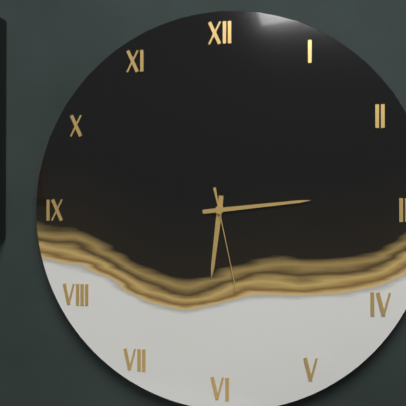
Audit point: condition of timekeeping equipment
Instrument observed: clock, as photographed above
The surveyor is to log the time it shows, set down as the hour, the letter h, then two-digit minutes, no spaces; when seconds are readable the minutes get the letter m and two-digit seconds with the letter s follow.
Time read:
6h14m28s
